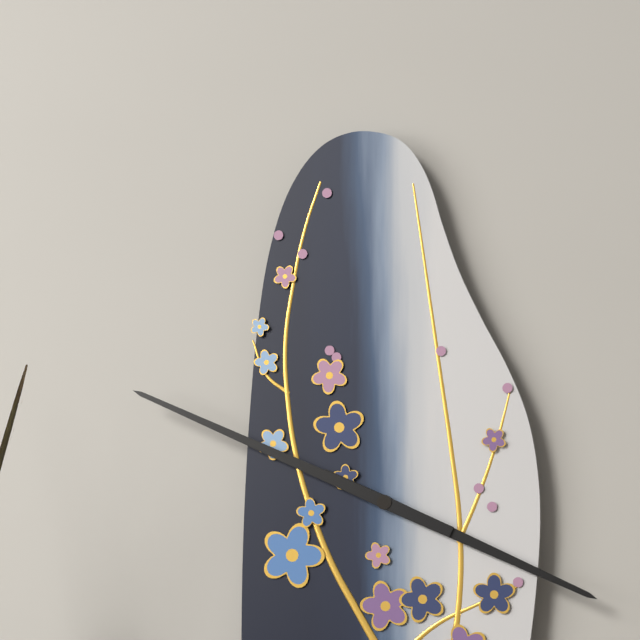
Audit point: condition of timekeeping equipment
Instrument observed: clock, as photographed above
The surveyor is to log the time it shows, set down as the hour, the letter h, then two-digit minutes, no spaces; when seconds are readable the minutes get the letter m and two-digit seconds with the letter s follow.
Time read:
3h49
